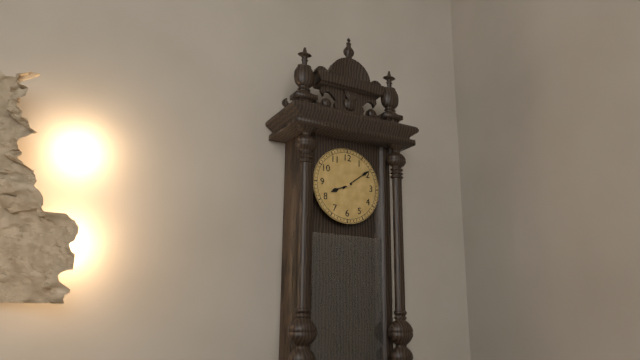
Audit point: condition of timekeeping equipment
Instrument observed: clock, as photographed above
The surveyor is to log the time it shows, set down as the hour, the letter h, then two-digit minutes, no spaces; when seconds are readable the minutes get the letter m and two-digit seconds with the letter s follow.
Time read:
8h09
